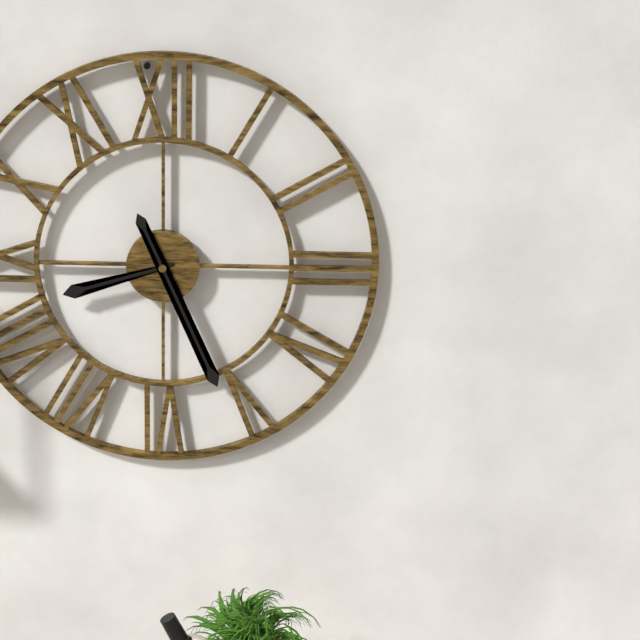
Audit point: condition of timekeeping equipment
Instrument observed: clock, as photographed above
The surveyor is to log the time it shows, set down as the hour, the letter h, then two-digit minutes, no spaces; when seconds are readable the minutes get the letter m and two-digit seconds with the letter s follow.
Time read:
8h26
